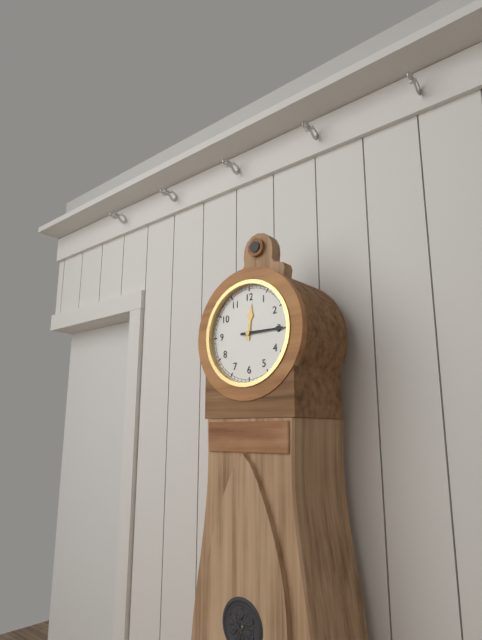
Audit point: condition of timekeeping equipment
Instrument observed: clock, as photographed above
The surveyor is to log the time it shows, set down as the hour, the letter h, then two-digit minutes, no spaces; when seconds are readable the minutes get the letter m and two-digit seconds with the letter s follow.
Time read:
12h15
